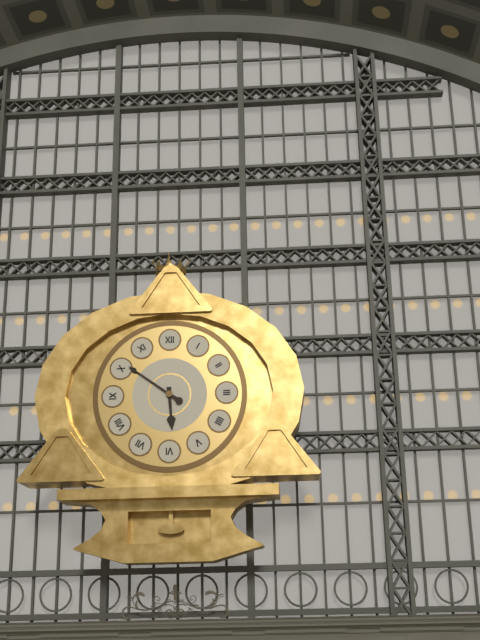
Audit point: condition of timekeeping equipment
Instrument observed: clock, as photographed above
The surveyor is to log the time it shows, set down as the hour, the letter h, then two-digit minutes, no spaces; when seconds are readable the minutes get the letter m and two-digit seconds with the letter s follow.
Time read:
5h51
